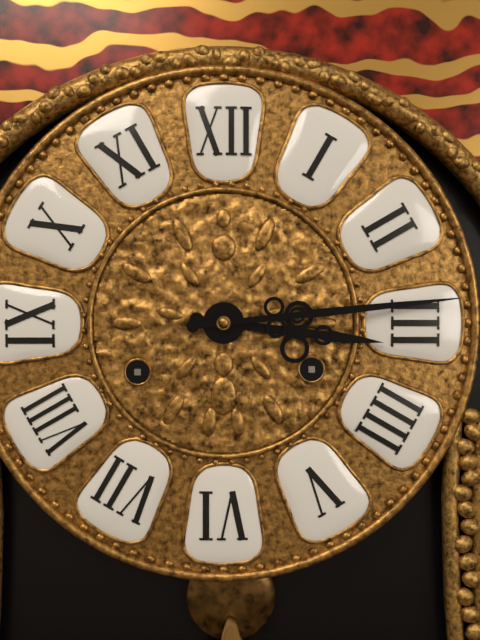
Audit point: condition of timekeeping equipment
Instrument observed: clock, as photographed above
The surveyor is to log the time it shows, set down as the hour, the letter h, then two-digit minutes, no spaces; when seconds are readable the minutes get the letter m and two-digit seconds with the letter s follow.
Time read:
3h14
